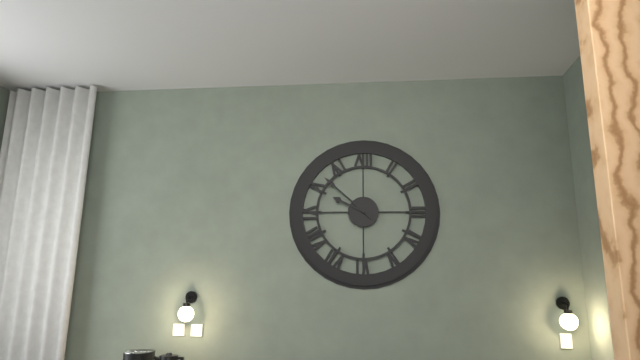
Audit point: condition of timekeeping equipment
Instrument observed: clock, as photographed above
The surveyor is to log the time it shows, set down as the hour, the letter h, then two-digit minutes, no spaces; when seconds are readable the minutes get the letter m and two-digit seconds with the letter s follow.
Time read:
9h52
